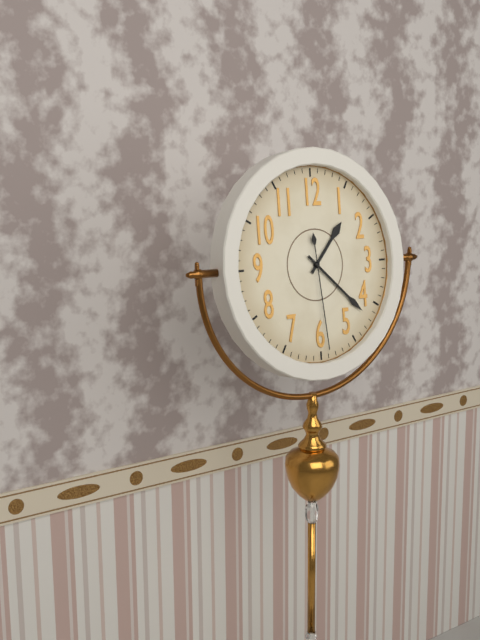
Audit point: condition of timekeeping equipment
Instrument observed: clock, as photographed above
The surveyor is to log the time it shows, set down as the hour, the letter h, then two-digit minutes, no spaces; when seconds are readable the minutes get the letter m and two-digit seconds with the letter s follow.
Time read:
1h22m29s
